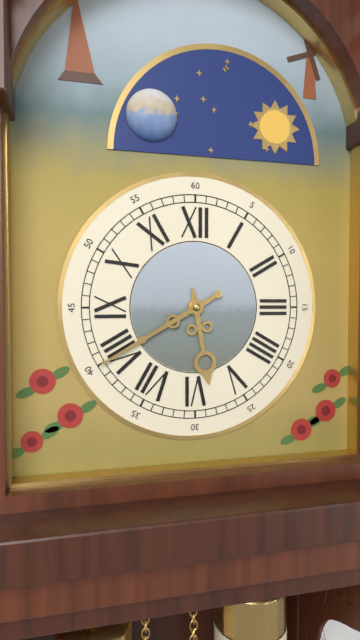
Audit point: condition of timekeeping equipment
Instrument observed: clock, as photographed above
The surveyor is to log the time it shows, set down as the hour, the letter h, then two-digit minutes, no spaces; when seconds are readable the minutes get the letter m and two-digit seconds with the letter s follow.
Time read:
5h40
